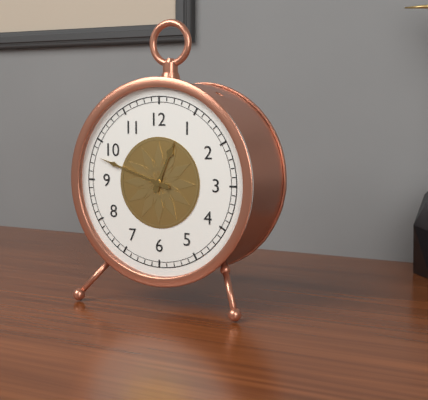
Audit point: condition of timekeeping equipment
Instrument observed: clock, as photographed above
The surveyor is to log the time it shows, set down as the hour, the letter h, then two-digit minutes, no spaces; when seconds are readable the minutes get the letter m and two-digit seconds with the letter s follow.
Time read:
12h48
